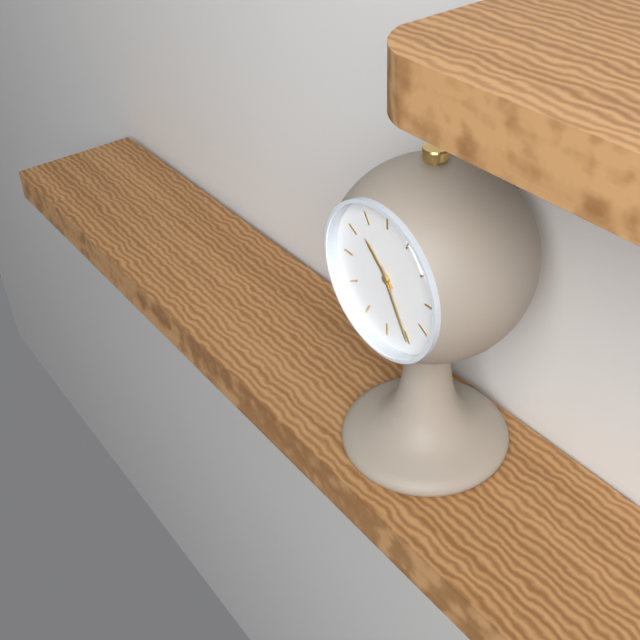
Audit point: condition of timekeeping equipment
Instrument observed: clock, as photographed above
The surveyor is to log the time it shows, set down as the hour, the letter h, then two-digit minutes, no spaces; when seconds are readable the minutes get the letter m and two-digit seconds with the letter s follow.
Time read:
10h25
